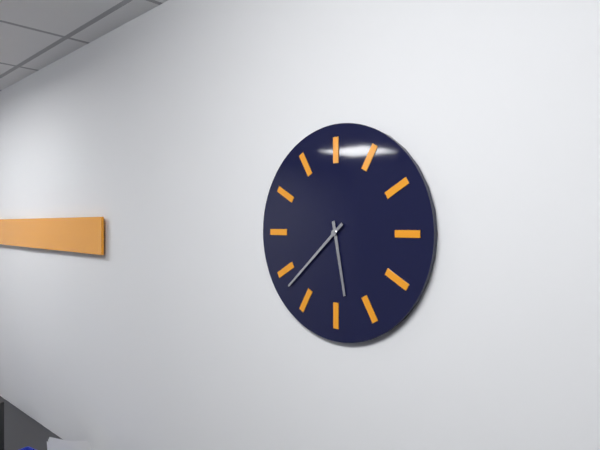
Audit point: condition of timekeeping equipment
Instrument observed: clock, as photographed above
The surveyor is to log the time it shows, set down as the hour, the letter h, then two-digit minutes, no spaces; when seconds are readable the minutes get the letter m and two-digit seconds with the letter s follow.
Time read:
5h38
